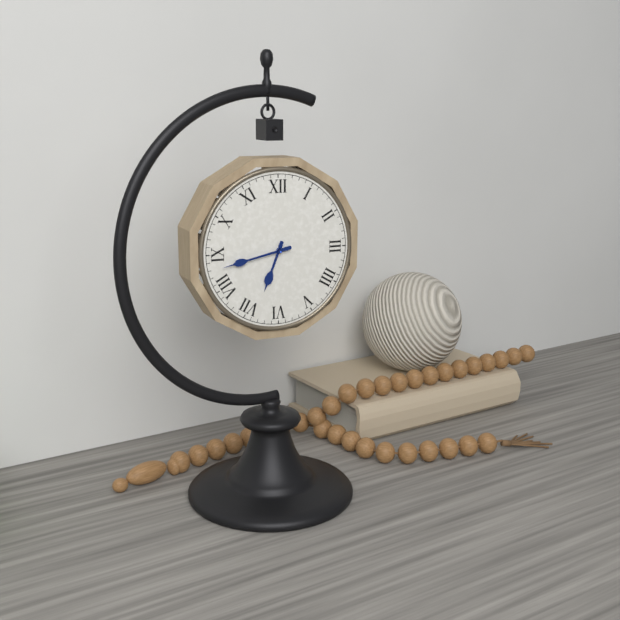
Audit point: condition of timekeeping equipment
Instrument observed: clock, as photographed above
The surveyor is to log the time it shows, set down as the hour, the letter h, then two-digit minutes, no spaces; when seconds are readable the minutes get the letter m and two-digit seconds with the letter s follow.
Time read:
6h43
